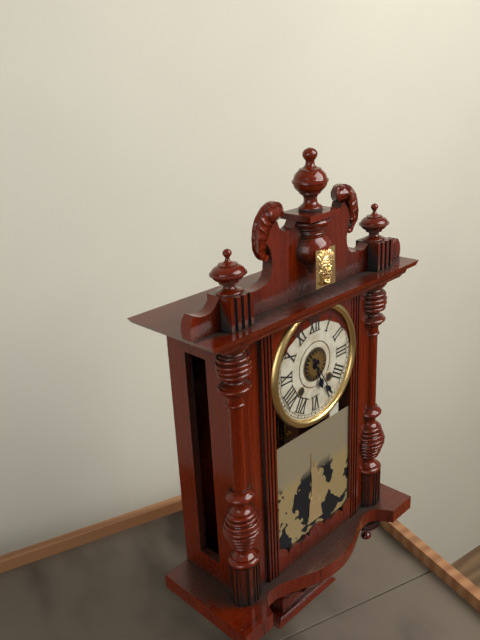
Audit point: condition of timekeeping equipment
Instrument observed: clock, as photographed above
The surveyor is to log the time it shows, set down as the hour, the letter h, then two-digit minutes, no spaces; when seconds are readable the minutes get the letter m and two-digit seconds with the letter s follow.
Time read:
5h25
